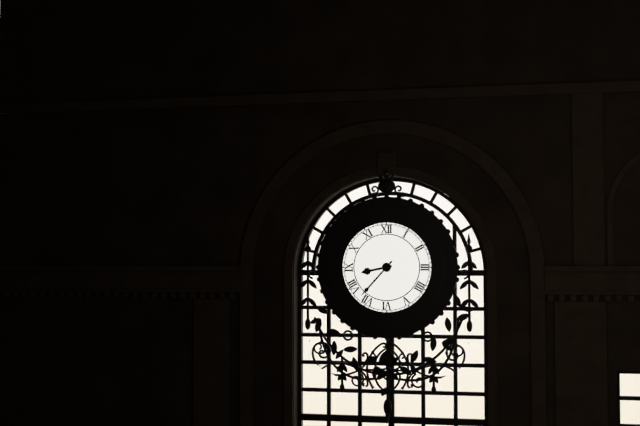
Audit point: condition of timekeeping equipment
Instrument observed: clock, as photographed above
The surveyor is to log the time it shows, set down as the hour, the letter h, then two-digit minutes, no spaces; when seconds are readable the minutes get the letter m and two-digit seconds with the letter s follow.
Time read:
8h37
